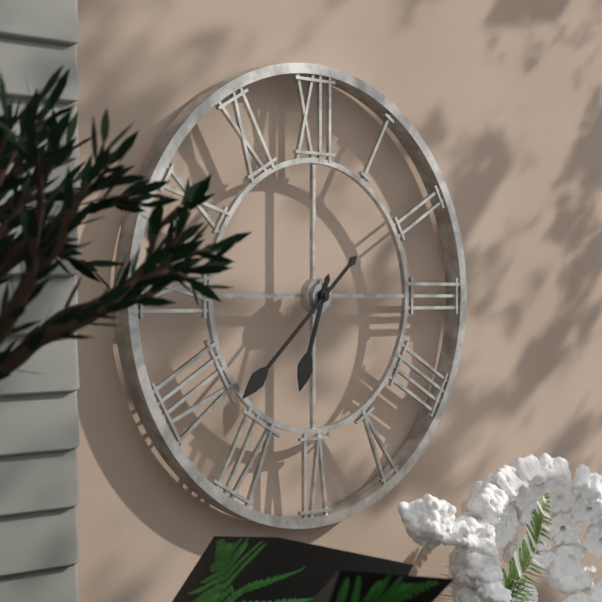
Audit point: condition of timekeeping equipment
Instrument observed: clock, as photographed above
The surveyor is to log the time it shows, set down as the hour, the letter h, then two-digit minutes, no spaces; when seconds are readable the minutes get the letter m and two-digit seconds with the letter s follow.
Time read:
6h38
